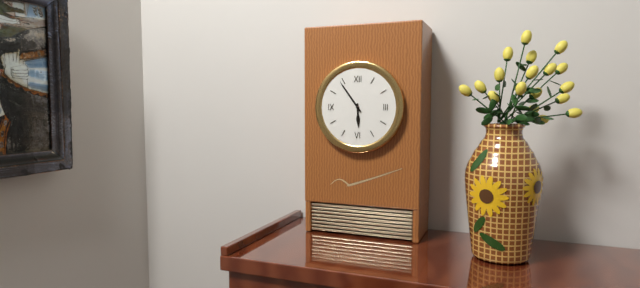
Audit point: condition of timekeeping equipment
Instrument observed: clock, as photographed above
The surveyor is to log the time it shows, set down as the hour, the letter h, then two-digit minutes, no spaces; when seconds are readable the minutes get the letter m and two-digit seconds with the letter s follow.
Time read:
5h54
